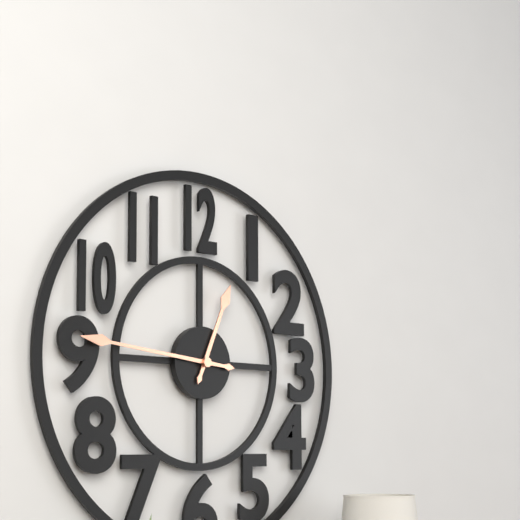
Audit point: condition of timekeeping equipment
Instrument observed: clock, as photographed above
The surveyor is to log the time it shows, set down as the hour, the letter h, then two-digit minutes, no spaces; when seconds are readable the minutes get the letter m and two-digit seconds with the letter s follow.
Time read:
12h46
